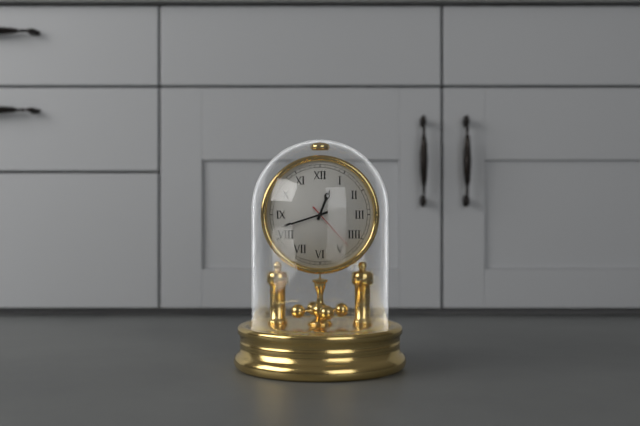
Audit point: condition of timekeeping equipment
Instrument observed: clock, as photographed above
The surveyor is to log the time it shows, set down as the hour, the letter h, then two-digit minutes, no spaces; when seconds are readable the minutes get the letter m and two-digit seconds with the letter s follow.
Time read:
12h42m23s
